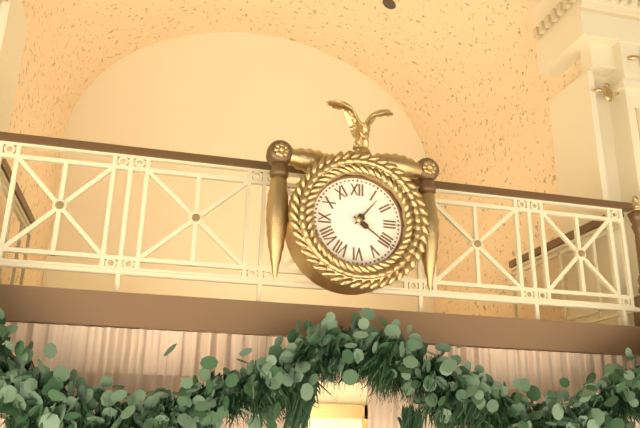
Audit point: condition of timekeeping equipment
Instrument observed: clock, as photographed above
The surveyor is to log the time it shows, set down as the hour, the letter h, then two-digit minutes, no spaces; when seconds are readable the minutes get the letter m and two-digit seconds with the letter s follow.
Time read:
1h21
